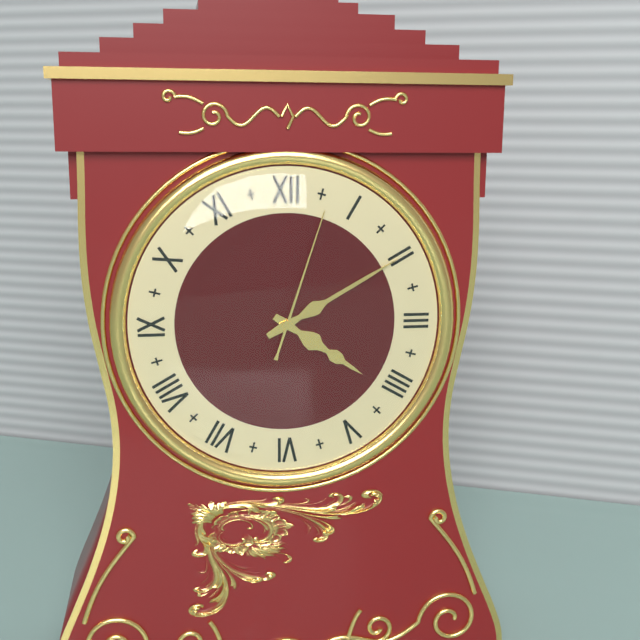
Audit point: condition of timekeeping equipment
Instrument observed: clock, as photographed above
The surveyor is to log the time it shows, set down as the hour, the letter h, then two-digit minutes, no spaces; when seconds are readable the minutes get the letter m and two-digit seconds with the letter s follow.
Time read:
4h10m03s
